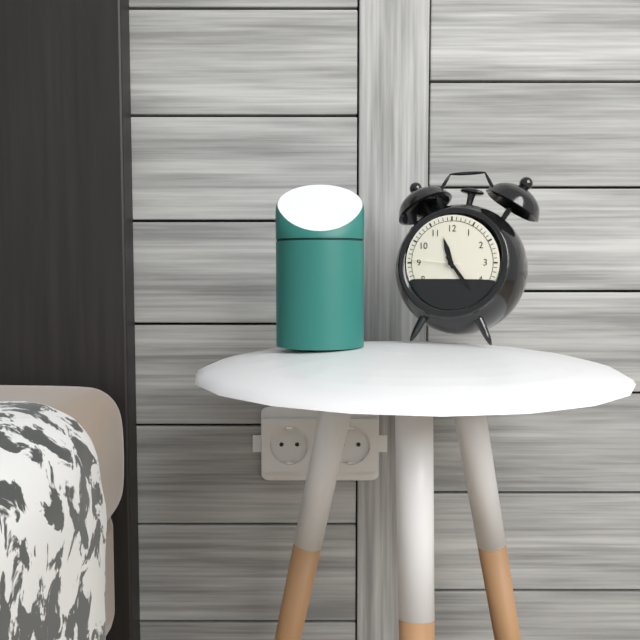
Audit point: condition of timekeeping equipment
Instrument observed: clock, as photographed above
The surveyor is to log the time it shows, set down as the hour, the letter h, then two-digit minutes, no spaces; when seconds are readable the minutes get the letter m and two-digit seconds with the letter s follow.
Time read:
11h24m46s
